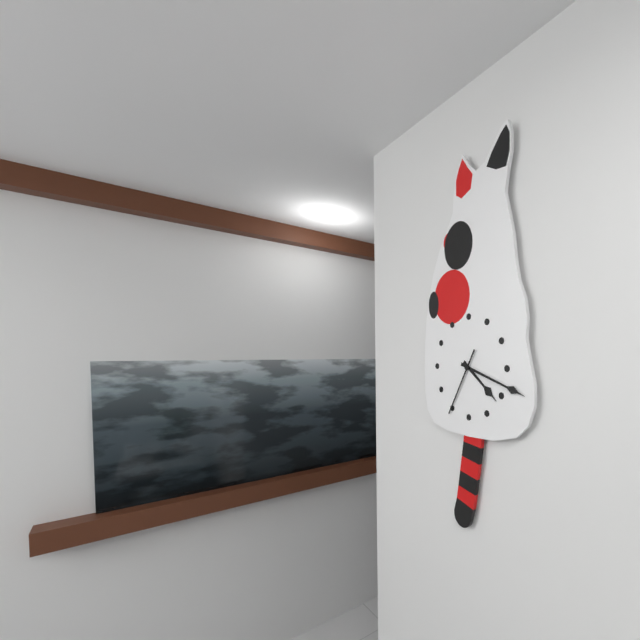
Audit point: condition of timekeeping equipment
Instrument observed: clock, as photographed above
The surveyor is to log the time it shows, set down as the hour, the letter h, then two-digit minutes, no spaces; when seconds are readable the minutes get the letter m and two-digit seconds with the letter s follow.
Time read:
4h18m35s
